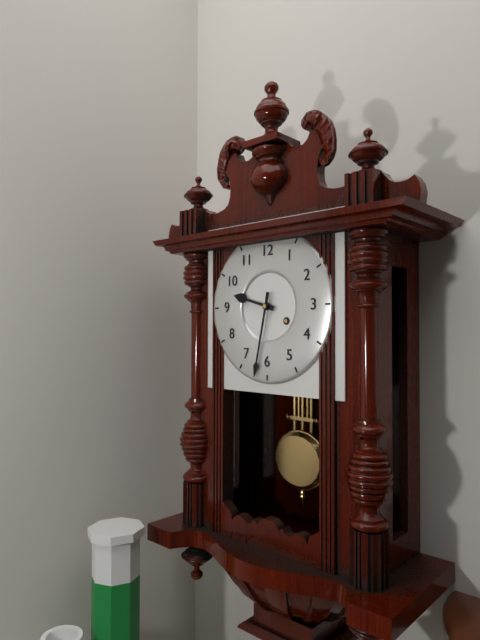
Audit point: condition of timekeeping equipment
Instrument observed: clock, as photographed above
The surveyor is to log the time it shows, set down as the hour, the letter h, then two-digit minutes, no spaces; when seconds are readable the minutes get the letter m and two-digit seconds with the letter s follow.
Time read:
9h32
